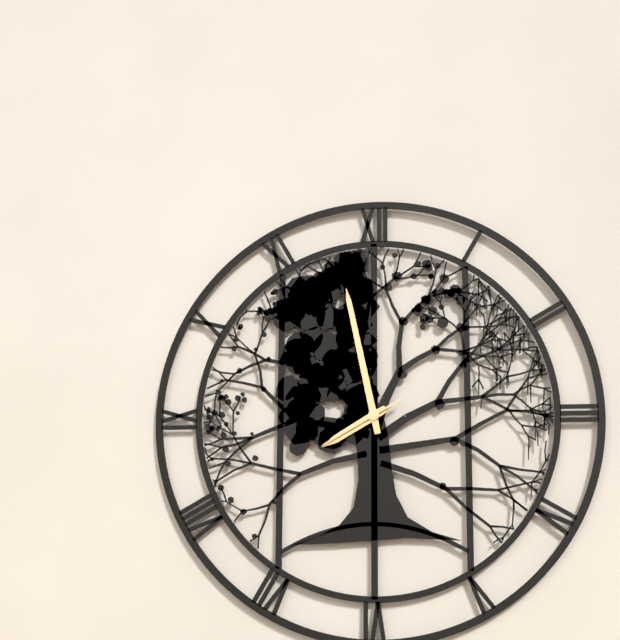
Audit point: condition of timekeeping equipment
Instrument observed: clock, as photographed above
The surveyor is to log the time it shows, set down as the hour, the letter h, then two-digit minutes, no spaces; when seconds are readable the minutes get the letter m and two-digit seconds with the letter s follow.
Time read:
7h58m40s
